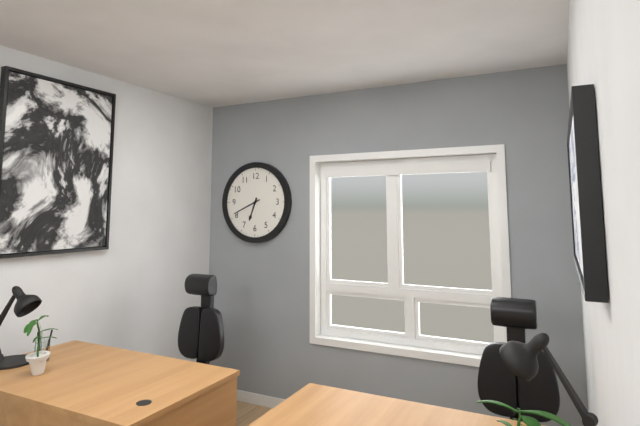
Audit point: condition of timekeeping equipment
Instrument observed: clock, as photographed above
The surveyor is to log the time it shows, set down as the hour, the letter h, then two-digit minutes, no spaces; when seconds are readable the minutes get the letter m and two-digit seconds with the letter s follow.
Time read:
6h41
